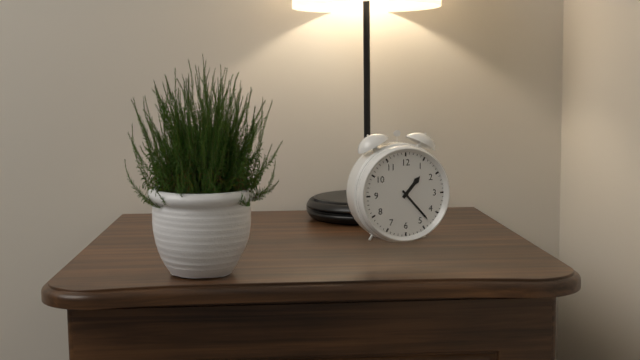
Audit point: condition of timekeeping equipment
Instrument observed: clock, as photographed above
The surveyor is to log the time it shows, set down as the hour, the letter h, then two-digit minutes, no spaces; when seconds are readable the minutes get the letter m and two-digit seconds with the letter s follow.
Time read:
1h23
